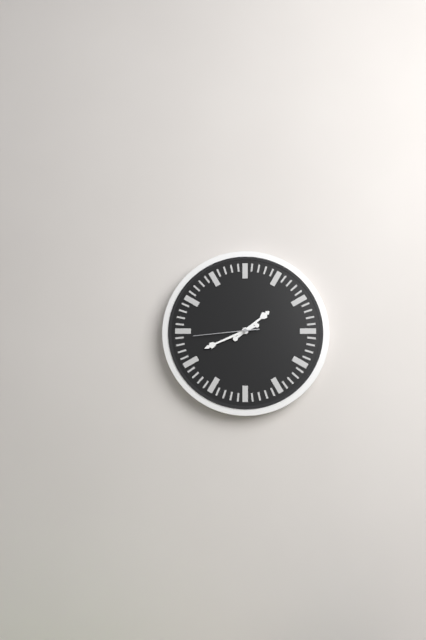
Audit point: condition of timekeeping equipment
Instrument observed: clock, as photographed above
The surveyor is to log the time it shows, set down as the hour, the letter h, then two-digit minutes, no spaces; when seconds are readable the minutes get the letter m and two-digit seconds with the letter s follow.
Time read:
1h41m44s
